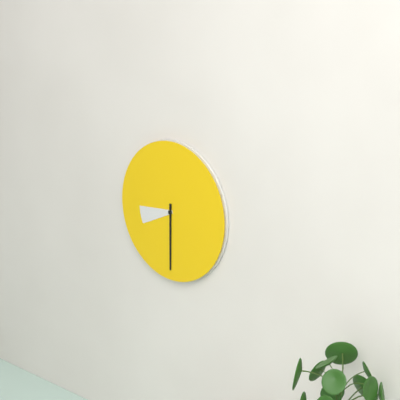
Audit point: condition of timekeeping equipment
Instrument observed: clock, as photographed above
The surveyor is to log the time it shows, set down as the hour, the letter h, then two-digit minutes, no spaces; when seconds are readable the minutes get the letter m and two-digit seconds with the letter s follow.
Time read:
8h30
